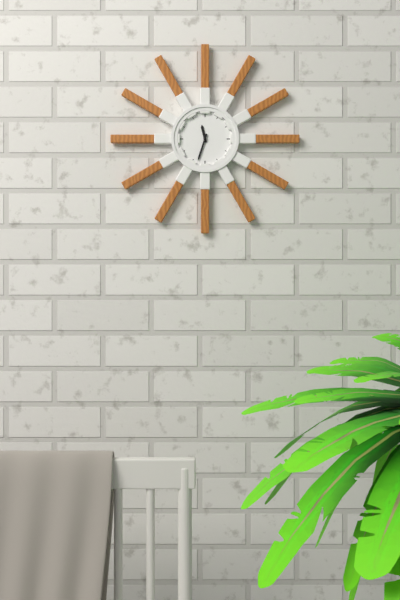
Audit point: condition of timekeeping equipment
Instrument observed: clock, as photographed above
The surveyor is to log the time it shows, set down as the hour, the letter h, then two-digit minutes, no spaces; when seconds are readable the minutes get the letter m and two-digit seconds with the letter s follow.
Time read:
11h33
